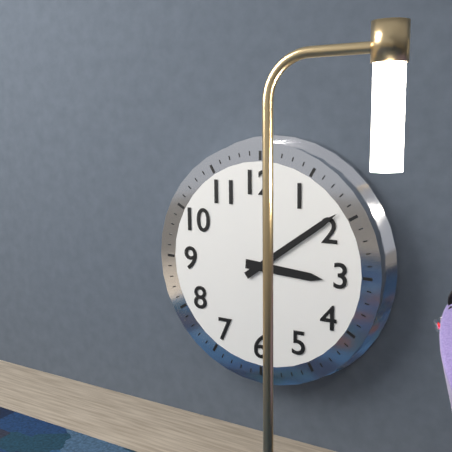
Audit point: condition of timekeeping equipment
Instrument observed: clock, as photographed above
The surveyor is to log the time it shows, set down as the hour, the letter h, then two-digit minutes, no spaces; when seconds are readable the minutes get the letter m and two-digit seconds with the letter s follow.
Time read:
3h09
